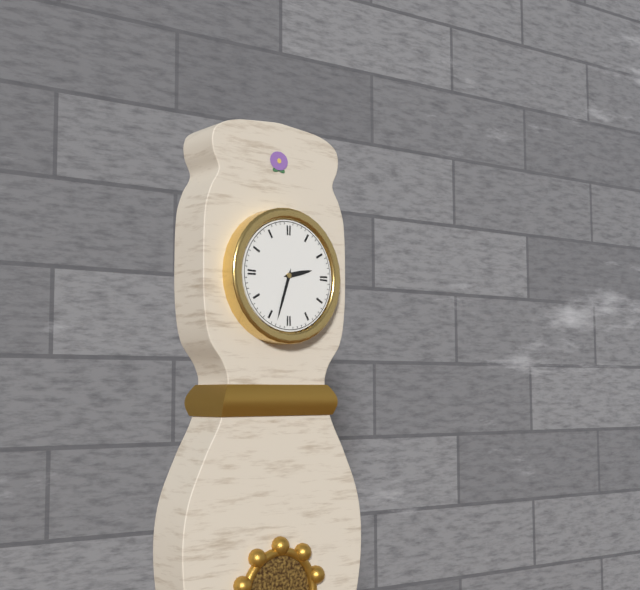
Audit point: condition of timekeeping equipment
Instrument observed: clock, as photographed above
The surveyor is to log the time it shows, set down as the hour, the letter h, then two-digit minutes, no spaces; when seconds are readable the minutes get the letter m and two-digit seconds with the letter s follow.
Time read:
2h33
